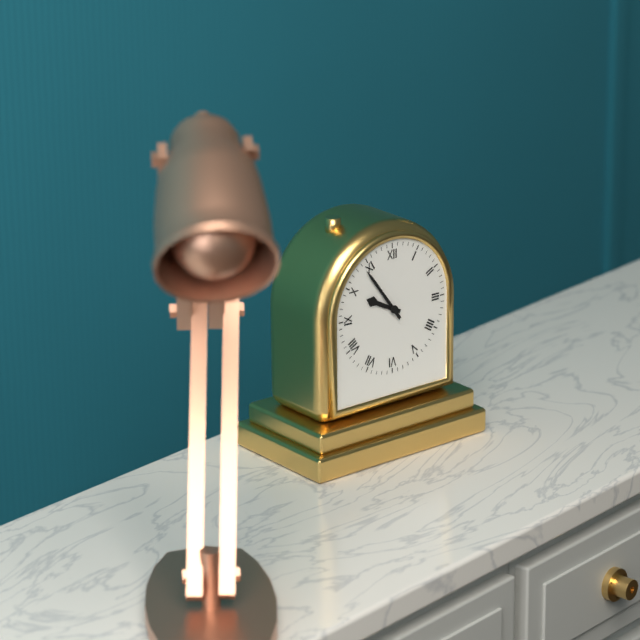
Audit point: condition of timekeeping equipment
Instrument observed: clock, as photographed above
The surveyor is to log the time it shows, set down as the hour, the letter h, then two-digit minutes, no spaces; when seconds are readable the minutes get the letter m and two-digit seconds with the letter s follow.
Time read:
9h54
